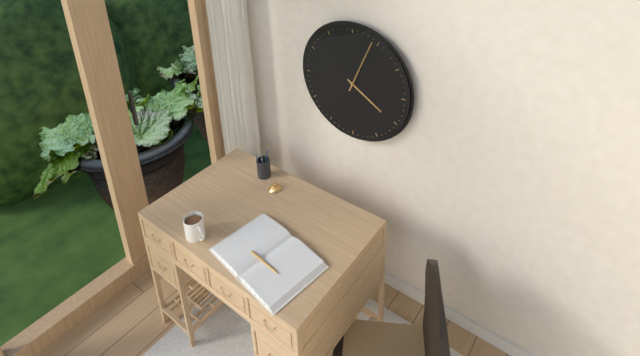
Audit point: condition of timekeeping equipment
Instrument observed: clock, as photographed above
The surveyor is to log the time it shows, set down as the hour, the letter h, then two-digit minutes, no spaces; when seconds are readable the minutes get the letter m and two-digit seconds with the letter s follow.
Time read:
4h04
